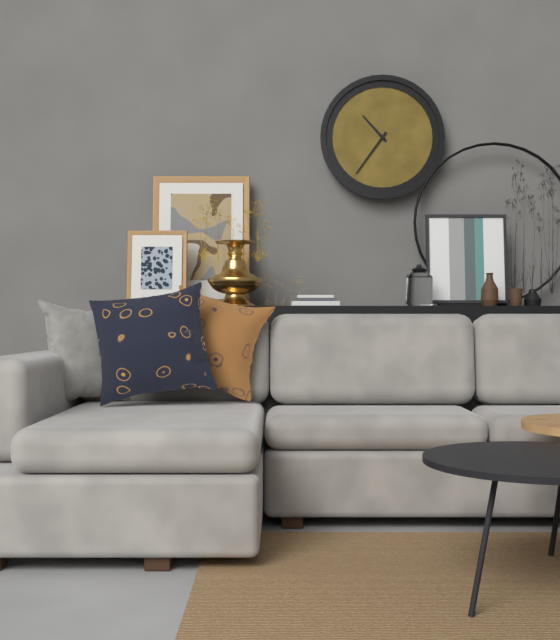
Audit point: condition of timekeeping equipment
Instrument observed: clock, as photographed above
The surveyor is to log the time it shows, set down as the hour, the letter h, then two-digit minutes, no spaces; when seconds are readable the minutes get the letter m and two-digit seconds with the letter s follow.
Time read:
10h36
